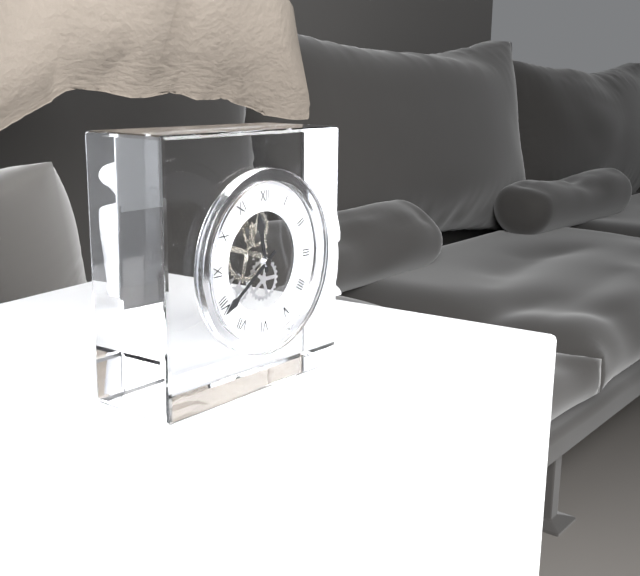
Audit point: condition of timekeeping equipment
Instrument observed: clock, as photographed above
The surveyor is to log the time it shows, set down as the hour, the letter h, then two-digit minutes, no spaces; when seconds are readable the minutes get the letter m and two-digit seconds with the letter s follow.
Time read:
11h39
